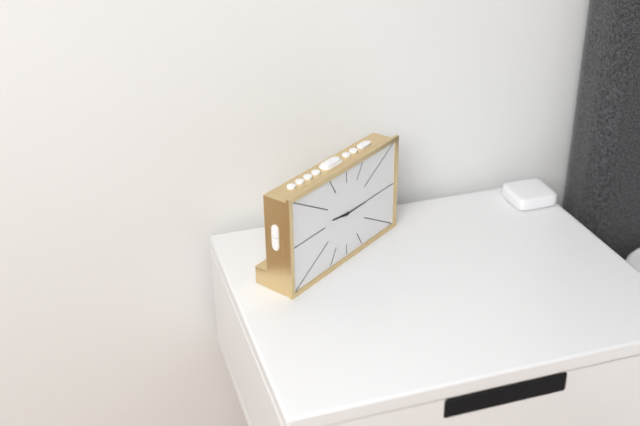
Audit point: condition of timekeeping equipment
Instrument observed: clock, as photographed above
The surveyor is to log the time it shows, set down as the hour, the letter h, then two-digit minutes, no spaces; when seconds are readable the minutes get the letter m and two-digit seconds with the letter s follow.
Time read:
9h15
